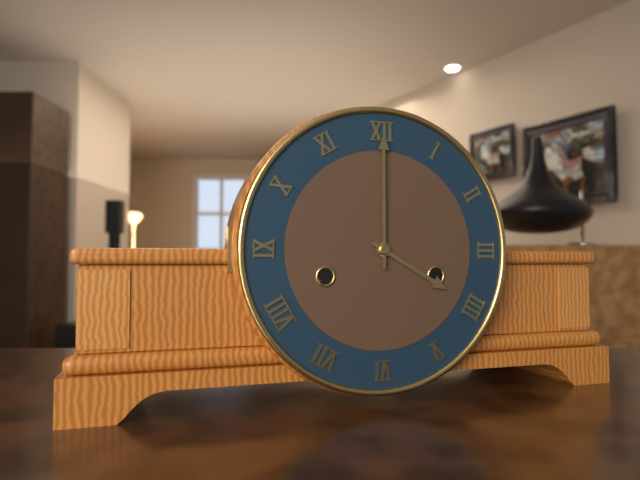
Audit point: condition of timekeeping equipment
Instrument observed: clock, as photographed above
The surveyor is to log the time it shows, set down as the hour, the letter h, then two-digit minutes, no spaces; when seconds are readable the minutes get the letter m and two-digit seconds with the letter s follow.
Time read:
4h00
